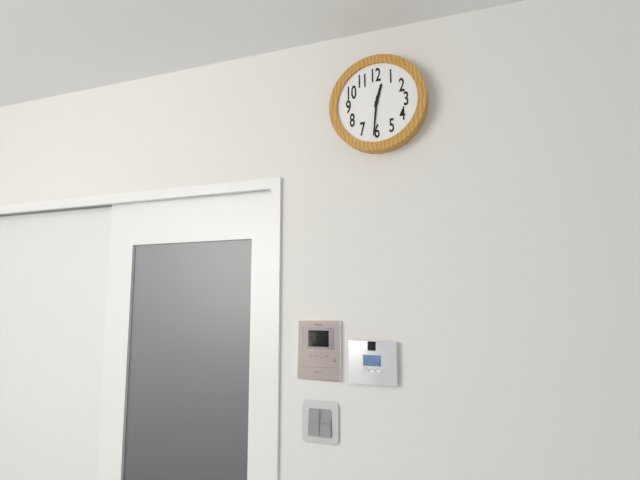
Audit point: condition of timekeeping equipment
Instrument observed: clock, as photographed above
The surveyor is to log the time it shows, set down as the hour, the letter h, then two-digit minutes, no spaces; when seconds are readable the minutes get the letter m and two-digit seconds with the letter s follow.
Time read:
12h31
